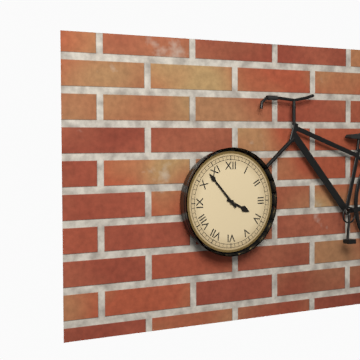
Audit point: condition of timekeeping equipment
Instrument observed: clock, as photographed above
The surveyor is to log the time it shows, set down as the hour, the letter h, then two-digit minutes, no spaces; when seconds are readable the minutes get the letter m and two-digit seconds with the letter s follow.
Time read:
3h53
